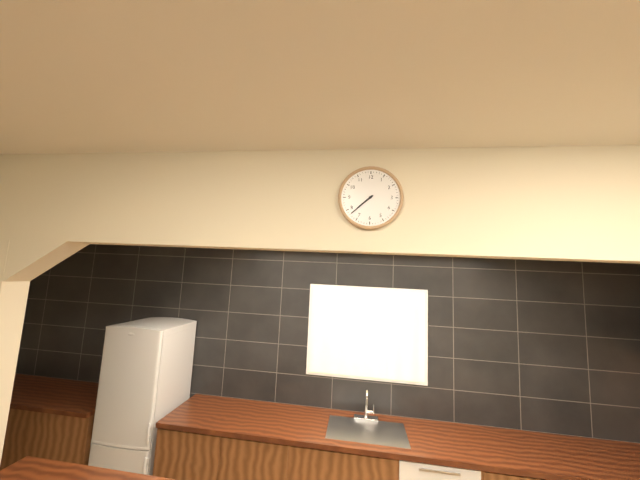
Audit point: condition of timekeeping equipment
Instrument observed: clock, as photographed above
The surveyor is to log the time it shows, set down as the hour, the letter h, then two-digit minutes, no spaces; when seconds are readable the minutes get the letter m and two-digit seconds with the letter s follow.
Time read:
7h38
